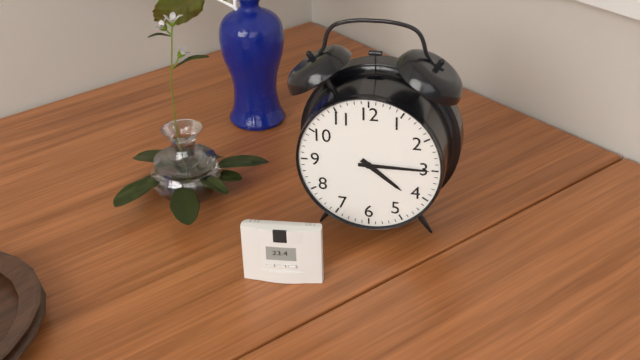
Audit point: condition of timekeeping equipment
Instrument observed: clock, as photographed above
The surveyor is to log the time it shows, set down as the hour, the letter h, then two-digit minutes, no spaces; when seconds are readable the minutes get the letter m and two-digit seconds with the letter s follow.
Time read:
4h15
